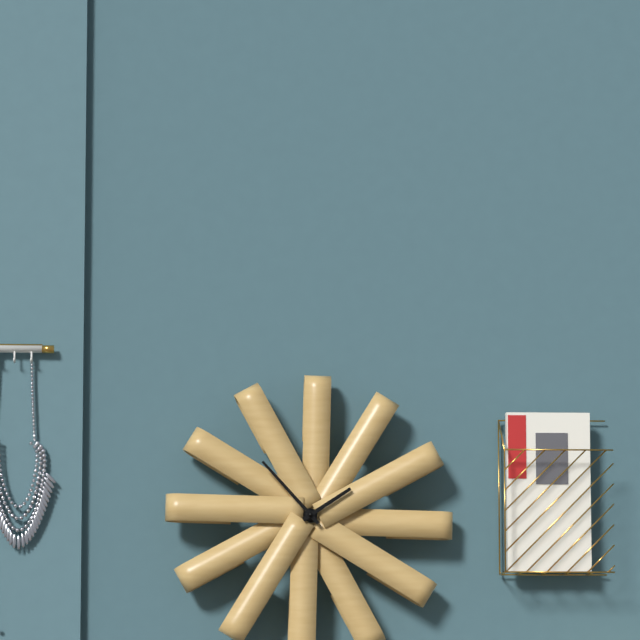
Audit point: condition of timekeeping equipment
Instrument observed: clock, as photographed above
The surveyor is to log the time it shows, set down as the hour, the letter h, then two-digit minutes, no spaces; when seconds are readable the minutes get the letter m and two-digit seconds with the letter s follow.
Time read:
1h53
